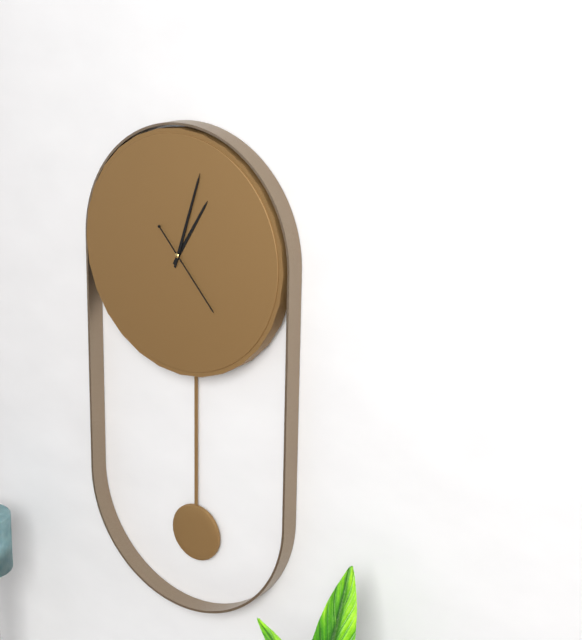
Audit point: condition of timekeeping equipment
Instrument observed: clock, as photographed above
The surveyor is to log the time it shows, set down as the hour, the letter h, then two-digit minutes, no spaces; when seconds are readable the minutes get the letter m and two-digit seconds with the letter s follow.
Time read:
1h03m23s
